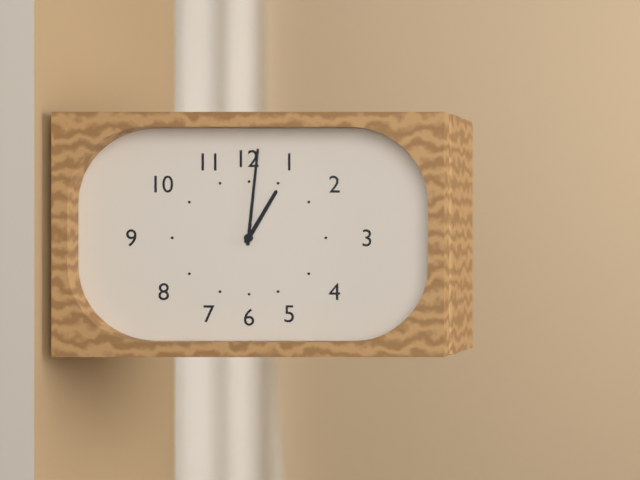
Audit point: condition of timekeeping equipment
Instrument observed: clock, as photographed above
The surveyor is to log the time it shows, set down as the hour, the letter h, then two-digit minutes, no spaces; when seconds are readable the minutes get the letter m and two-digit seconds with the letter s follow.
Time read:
1h01
